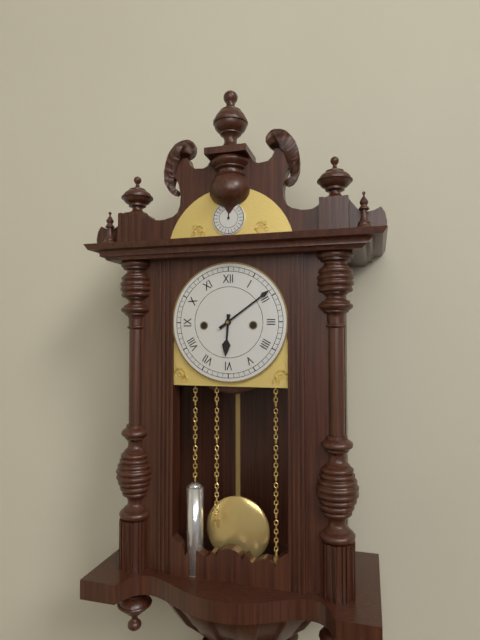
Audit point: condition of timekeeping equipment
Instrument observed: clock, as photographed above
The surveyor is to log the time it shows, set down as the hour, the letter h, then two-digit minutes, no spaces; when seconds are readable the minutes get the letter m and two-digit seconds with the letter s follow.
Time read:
6h09
